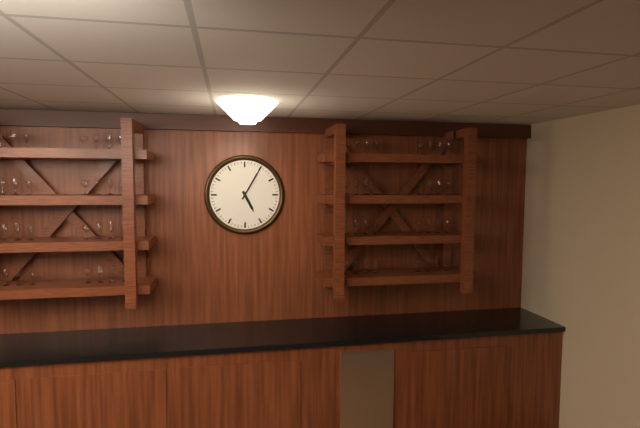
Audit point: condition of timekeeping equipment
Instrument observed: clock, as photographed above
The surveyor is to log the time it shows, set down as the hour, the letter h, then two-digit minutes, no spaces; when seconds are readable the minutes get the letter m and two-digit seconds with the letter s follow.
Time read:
5h05
